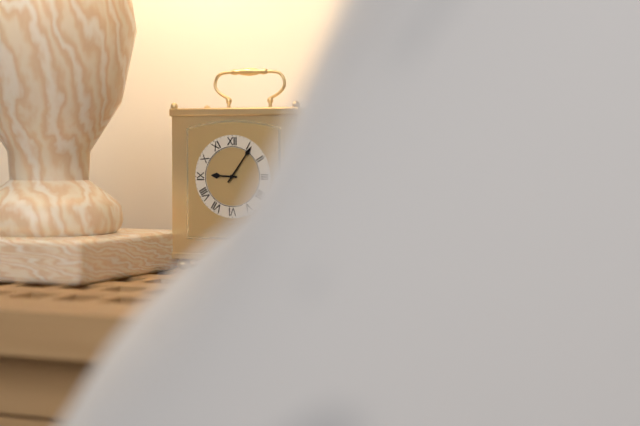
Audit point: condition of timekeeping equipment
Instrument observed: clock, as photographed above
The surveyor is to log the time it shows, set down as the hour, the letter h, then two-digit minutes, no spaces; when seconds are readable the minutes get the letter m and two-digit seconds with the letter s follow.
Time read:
9h06
